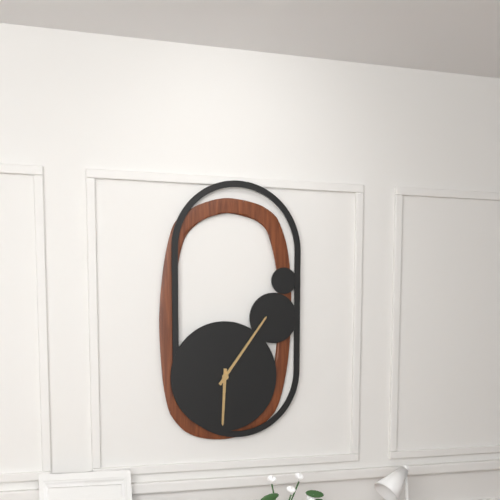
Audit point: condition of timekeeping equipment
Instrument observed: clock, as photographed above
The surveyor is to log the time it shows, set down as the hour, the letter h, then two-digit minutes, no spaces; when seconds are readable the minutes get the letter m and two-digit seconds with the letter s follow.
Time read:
6h06
